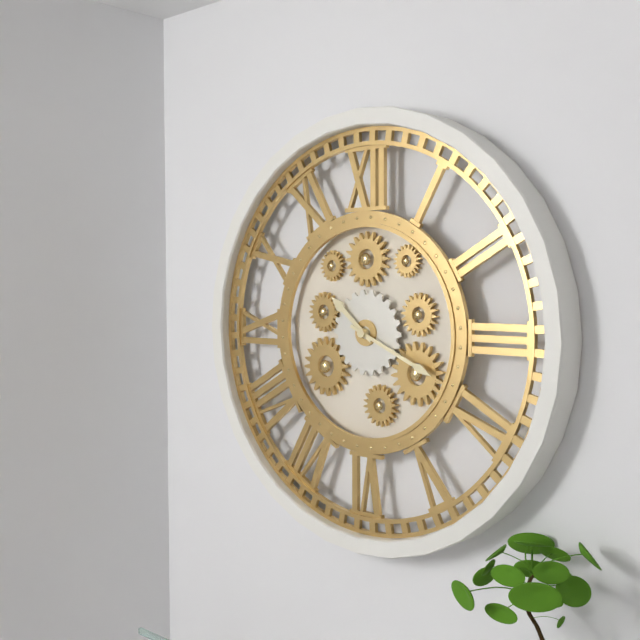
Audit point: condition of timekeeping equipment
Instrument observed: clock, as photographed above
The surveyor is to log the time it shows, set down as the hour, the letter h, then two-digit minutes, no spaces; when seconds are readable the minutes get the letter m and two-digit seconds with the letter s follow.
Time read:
10h19
